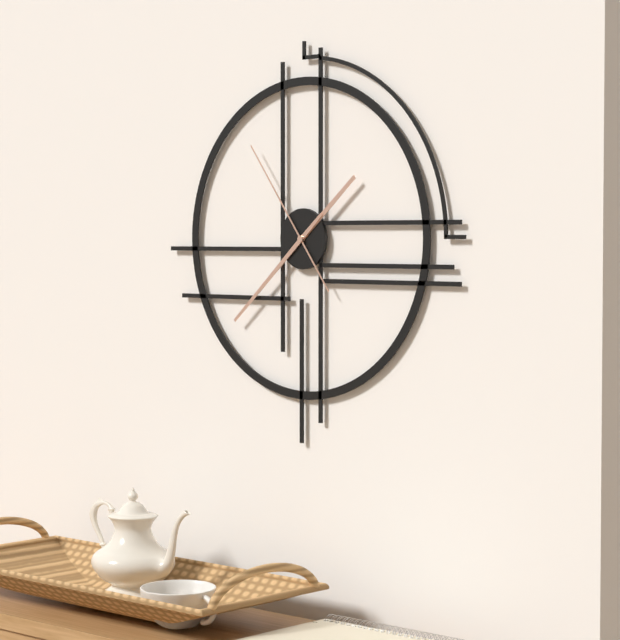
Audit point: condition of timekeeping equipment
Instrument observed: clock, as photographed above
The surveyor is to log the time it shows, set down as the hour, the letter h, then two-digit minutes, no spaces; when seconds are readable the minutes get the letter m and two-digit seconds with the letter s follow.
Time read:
1h38m54s
